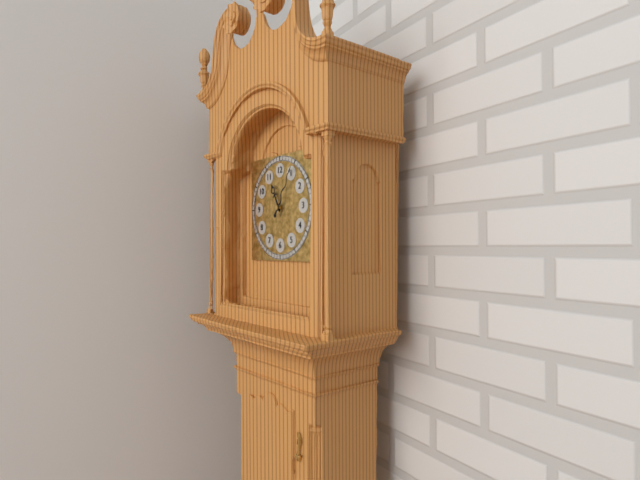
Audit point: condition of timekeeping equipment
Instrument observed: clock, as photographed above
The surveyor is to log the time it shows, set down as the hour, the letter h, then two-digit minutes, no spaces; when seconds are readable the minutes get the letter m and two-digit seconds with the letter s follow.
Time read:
11h05
